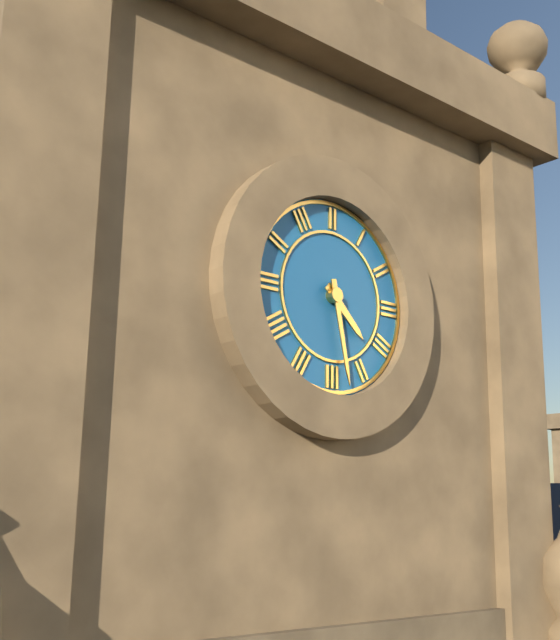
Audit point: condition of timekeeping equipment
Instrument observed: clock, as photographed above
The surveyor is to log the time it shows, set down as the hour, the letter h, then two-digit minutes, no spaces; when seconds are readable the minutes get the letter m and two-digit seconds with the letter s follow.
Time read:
4h28
